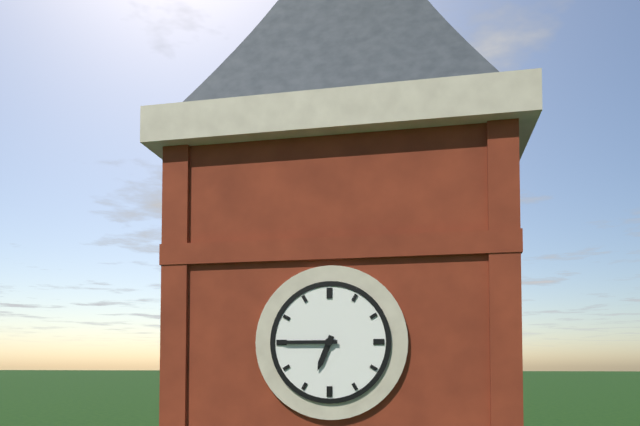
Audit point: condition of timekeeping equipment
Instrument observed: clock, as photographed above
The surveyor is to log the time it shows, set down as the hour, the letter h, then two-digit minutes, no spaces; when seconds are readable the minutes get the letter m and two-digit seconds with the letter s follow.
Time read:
6h45
